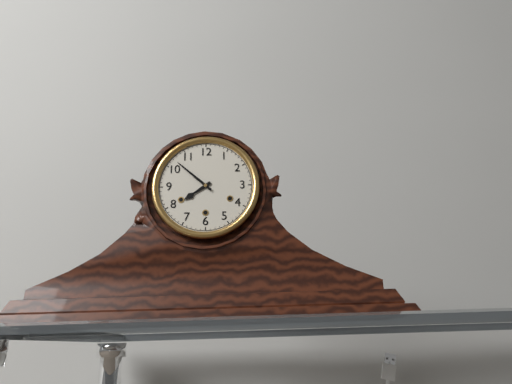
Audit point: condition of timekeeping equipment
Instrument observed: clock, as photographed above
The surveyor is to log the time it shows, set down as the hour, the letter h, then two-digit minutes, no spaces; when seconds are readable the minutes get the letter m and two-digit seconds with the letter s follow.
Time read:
7h52
